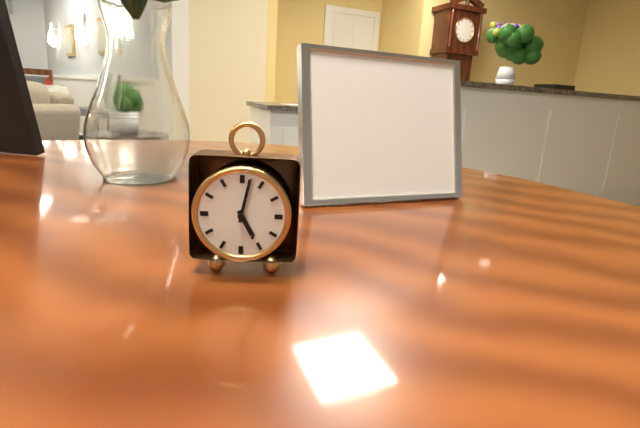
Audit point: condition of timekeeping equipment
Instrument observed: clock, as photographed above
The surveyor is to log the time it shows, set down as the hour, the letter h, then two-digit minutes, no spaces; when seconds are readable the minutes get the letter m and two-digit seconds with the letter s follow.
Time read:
5h02
